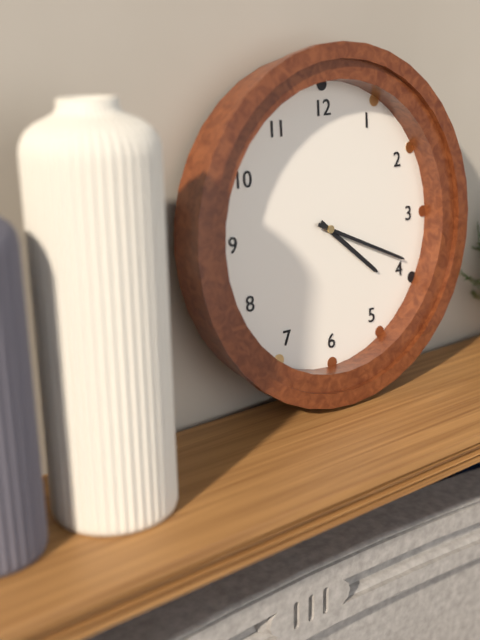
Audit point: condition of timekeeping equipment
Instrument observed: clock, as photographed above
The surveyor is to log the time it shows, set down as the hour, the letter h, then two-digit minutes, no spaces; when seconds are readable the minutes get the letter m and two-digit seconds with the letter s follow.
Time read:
4h19
